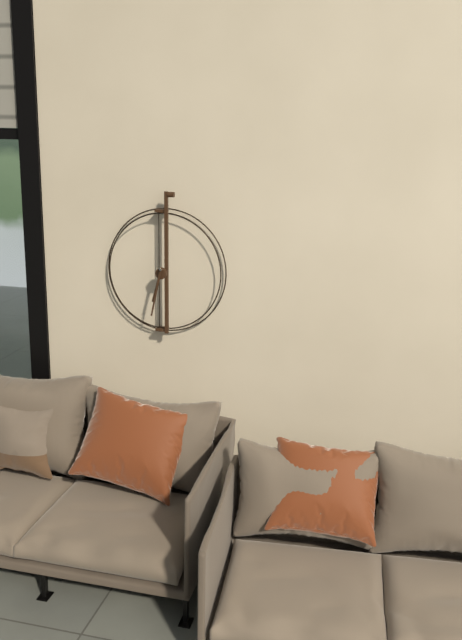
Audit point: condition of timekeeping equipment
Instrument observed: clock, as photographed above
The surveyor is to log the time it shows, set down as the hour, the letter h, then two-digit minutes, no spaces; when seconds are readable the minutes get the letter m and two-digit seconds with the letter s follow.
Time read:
6h32
